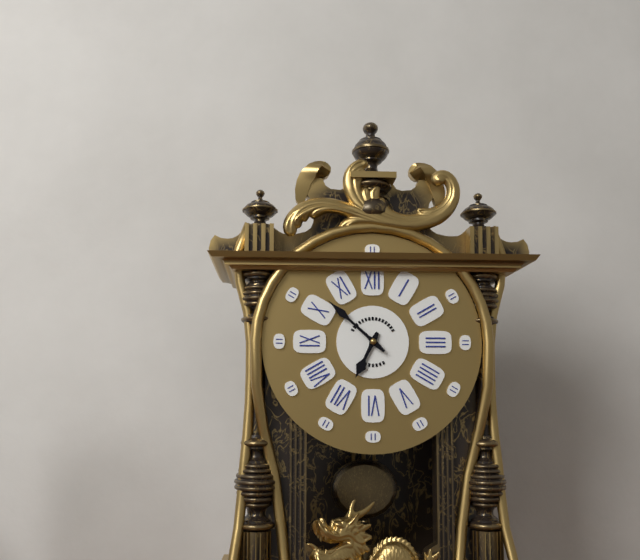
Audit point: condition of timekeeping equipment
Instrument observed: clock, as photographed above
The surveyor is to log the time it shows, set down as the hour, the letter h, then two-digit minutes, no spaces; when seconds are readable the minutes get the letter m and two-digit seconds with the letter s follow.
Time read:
6h52
